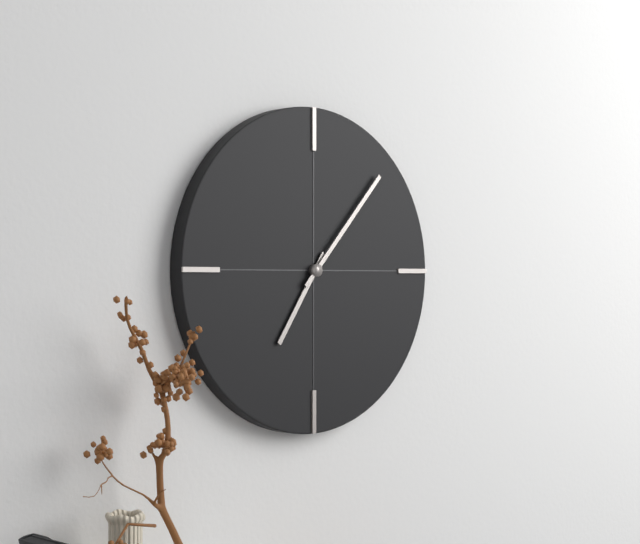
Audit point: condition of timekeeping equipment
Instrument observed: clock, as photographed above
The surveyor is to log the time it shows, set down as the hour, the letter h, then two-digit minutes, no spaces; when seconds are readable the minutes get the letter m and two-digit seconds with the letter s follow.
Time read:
7h07
